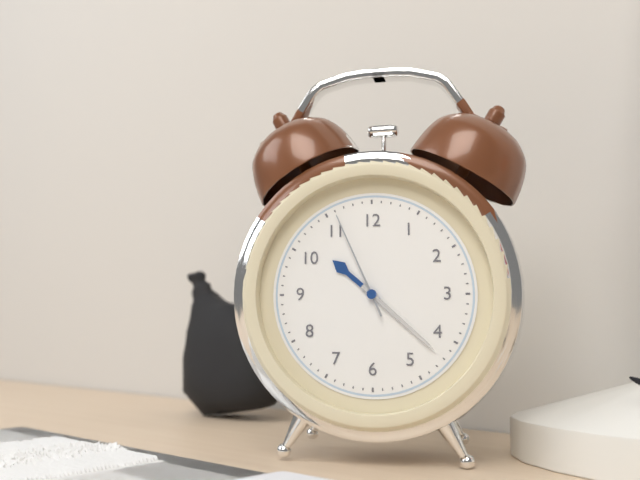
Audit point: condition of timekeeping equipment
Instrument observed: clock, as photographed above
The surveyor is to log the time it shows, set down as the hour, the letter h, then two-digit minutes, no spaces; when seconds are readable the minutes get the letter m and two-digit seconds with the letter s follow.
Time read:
10h22m56s
